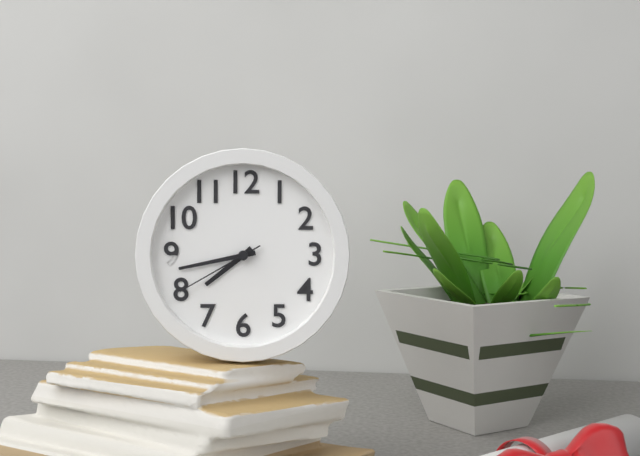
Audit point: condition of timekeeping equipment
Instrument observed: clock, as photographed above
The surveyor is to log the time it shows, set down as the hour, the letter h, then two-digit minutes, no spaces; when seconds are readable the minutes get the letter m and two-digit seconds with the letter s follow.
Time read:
7h43m40s
